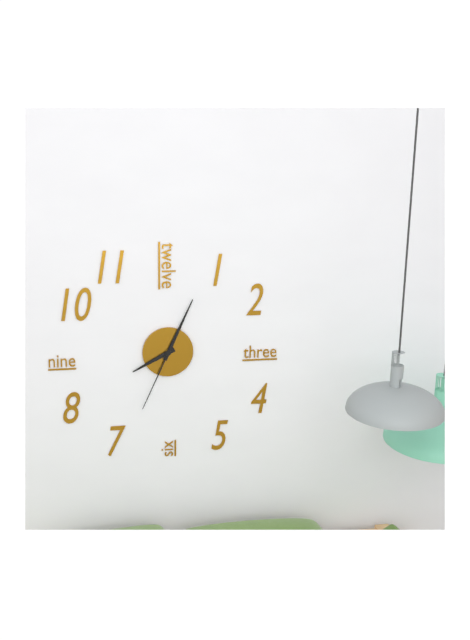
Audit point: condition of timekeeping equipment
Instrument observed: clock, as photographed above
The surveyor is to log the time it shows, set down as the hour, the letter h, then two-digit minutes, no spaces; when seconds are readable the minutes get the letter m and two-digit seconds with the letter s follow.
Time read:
8h04m34s
